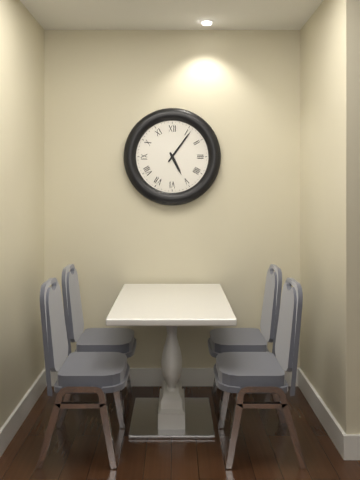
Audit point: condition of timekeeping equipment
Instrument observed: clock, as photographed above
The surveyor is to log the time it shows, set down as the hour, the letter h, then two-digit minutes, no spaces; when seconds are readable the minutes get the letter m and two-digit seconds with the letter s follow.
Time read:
5h06
